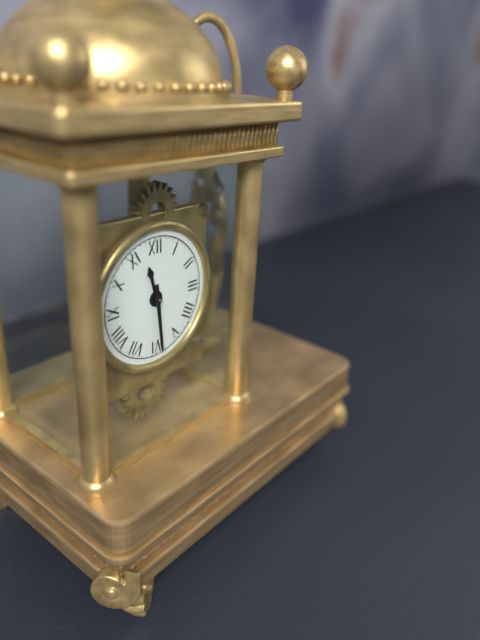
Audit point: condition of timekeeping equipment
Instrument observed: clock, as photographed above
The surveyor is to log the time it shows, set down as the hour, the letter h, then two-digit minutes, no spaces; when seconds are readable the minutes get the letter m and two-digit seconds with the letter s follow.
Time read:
11h29
